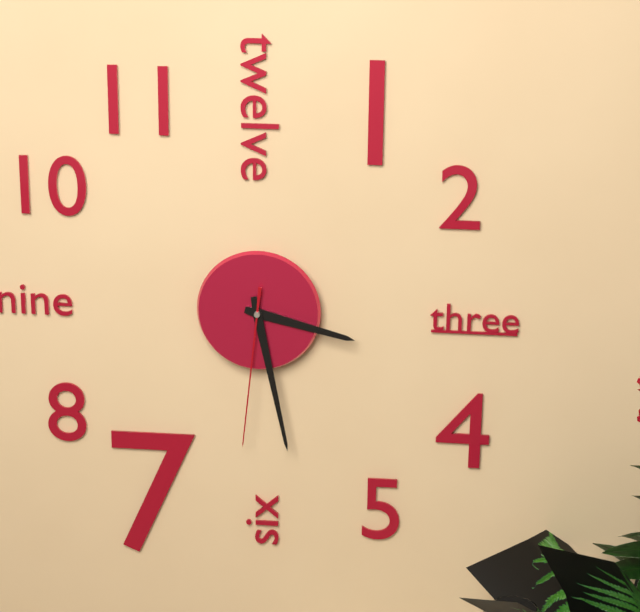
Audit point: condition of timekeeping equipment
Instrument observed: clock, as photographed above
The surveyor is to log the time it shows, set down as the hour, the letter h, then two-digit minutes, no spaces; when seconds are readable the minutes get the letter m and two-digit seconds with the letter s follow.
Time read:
3h28m31s
